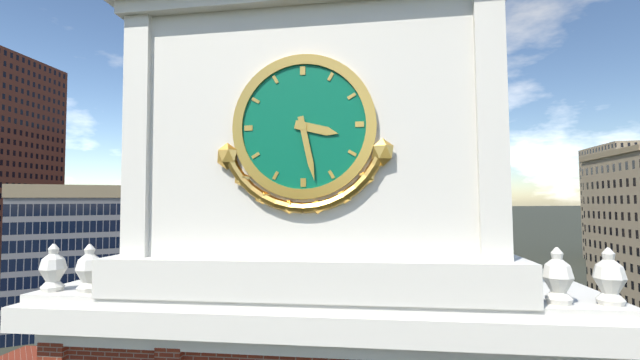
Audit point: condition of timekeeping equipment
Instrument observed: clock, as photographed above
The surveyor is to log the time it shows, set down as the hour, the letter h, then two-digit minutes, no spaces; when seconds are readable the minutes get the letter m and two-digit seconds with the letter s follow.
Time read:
3h28
